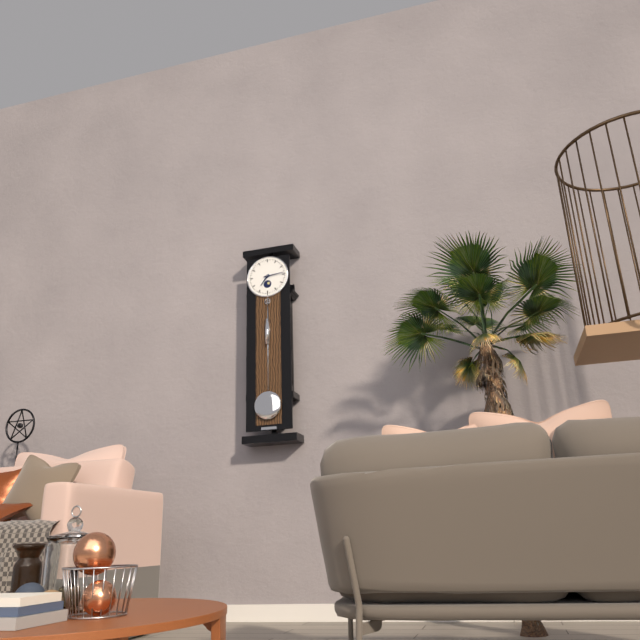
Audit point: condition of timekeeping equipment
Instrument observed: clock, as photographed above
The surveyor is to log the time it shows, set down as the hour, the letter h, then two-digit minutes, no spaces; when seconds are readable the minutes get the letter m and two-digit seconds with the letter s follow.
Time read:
7h14
